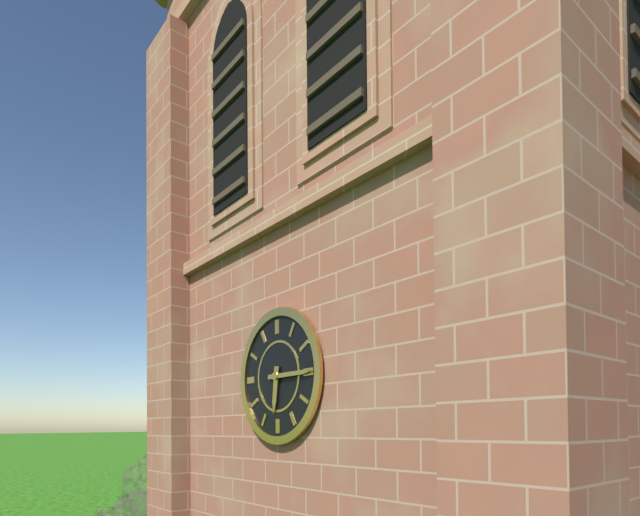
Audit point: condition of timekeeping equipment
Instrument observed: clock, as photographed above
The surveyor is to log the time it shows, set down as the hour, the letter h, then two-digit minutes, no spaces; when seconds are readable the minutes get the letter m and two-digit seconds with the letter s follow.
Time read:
6h15
